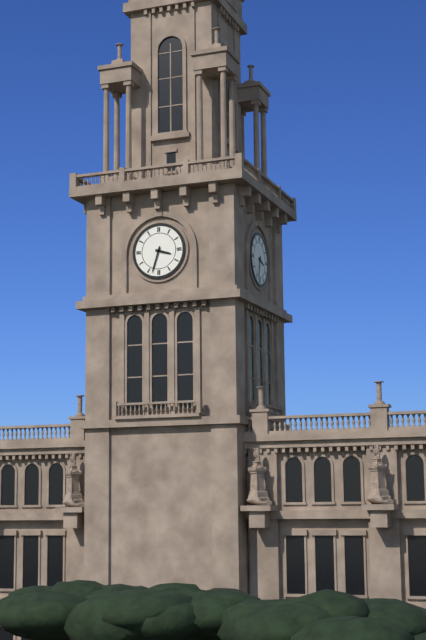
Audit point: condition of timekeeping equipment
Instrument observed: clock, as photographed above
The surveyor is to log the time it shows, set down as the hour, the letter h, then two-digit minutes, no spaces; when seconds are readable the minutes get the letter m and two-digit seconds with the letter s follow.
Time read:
3h33
